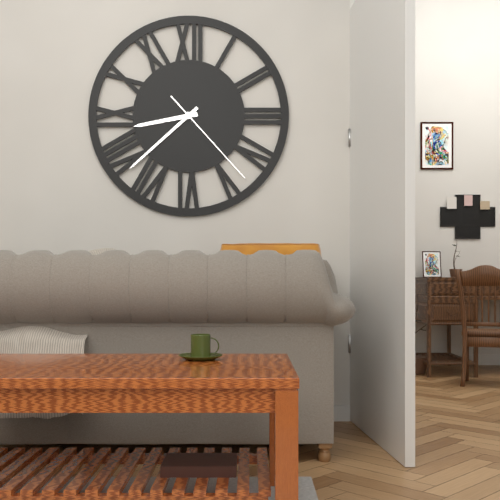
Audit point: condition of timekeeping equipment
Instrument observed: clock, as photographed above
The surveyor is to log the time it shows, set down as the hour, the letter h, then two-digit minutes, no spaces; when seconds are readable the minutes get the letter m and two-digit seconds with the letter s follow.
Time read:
8h38m23s
